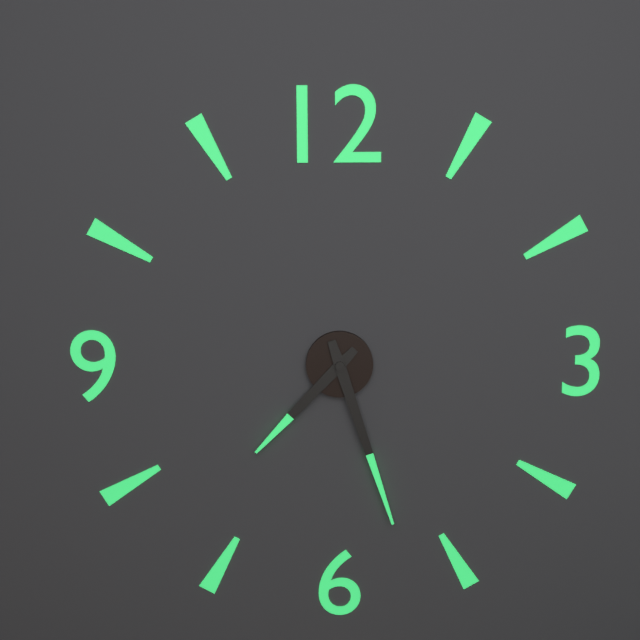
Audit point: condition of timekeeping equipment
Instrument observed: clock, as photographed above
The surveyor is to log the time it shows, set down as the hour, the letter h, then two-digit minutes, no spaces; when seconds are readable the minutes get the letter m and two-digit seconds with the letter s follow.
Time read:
7h27
